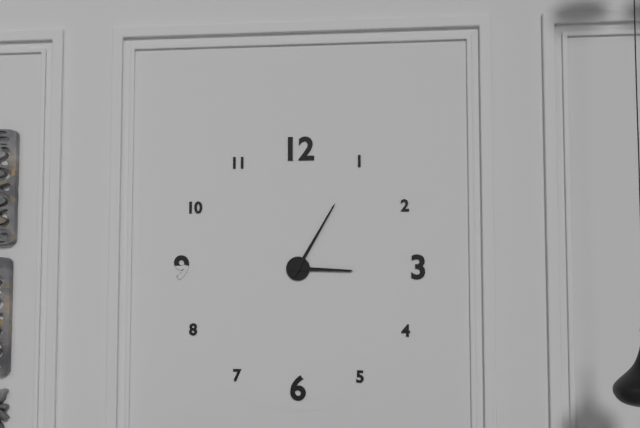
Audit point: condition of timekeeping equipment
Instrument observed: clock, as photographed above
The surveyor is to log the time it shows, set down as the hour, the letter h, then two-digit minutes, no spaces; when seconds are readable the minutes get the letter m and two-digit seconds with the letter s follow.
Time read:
3h05
